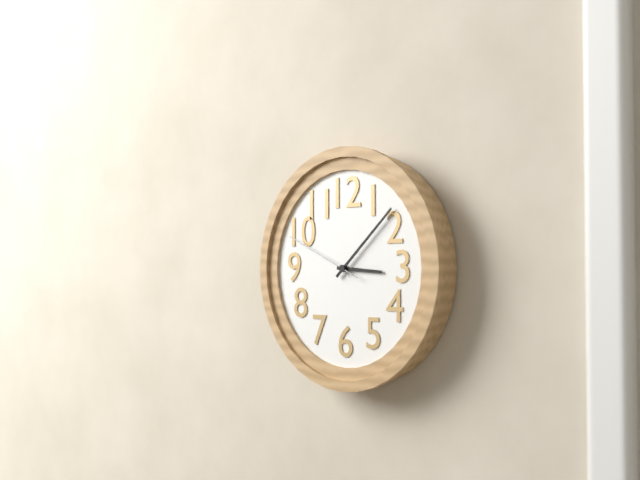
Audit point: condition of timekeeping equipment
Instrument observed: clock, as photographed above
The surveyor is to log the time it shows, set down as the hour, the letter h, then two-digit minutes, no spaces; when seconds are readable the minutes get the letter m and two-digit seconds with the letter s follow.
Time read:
3h08m49s
